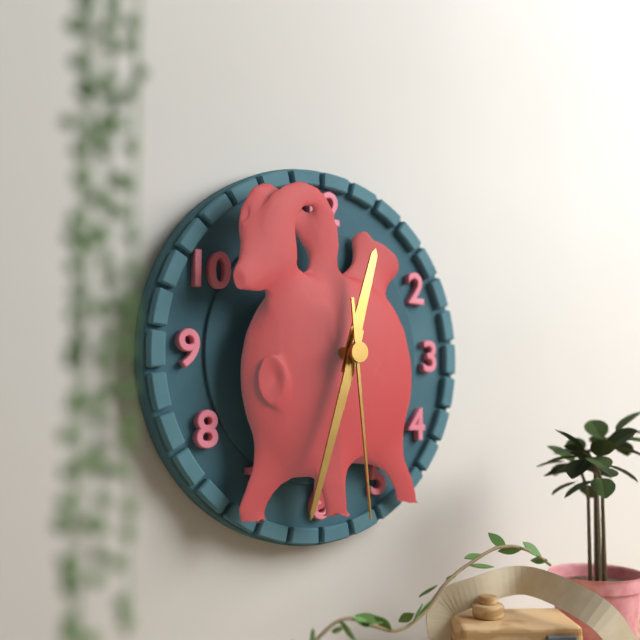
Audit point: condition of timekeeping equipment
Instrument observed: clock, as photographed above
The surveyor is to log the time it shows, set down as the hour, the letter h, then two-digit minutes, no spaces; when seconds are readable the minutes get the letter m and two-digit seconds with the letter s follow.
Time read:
12h33m29s
